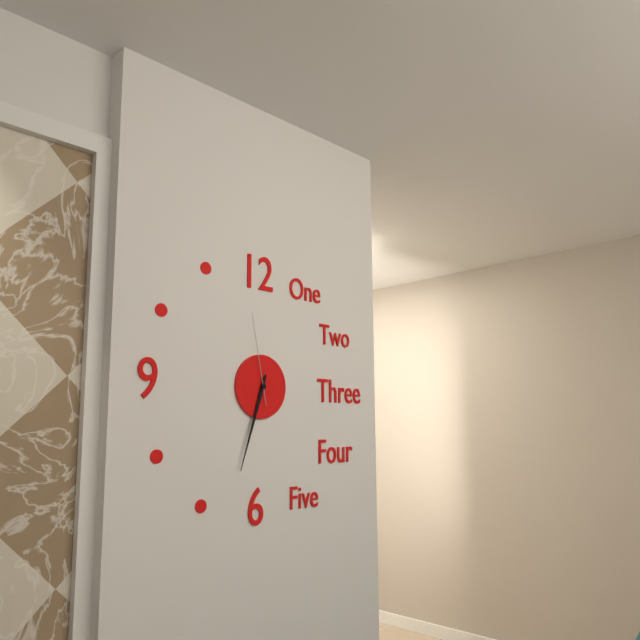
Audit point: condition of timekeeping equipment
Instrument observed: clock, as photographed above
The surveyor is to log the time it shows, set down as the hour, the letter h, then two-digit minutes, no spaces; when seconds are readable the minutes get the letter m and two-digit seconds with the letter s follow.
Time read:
6h33m58s
